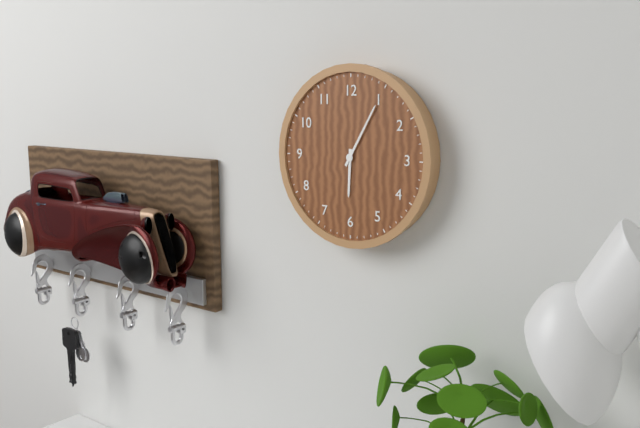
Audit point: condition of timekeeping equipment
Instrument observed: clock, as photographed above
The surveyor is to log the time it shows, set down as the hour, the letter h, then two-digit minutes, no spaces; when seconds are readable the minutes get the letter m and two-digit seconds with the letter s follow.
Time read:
6h05
